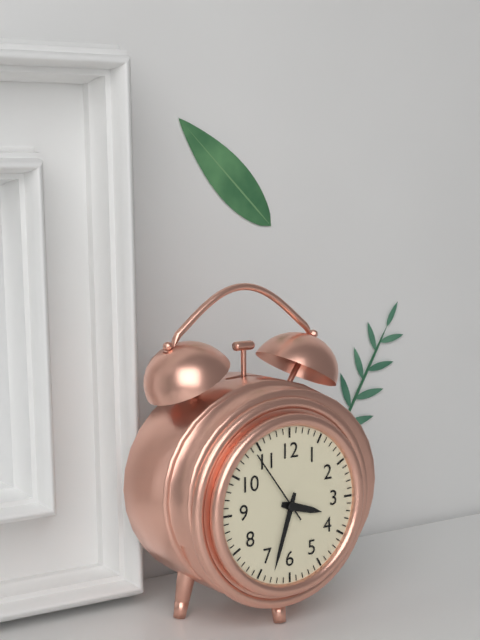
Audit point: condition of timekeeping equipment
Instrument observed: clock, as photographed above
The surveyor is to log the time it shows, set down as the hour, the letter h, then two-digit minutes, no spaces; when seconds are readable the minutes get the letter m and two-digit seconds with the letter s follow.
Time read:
3h33m54s
